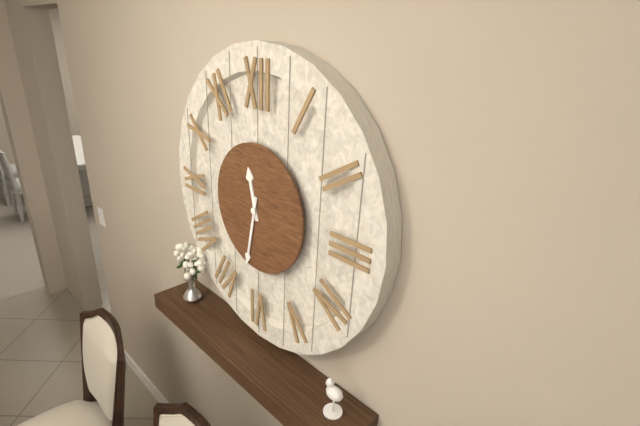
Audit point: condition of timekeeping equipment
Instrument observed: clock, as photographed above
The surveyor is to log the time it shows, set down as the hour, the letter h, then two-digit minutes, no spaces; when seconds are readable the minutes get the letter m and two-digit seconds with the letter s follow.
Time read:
11h32
